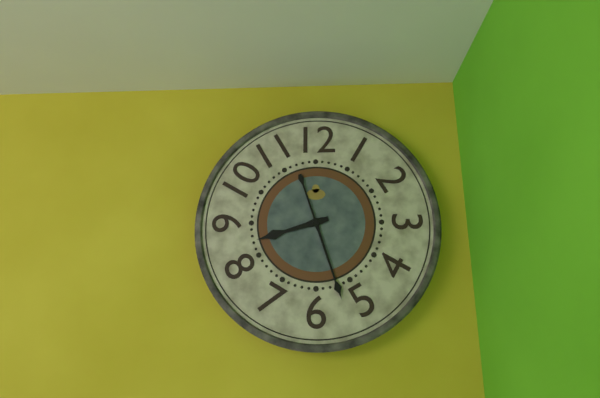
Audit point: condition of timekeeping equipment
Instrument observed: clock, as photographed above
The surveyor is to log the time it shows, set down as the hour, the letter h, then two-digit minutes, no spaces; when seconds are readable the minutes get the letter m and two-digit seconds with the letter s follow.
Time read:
8h27
